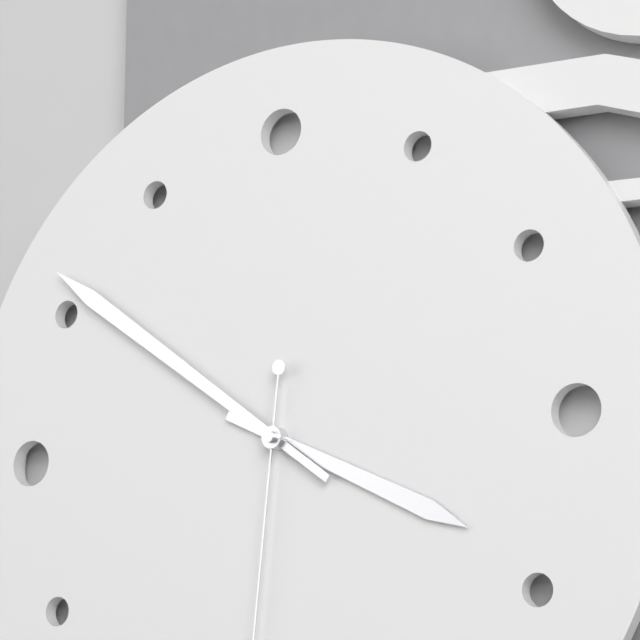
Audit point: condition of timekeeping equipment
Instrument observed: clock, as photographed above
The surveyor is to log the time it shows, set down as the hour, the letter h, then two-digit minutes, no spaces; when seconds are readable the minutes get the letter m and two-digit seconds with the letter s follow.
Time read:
3h51
